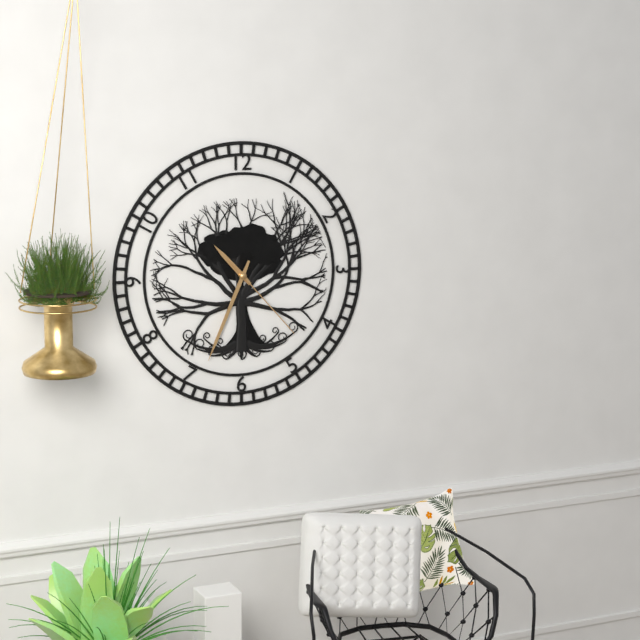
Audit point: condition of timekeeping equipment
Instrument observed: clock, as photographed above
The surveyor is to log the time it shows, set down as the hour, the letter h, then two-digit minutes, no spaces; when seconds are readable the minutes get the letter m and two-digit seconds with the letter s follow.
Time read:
10h34m23s
